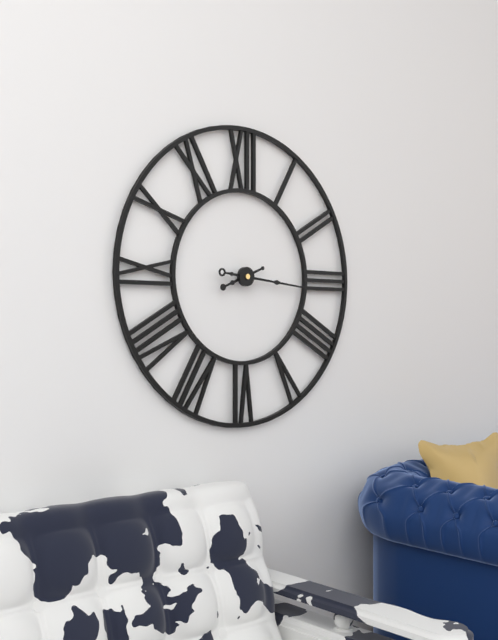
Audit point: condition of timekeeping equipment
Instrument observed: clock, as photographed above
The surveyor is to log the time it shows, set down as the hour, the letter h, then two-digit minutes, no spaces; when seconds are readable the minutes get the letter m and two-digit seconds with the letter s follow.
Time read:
8h16
